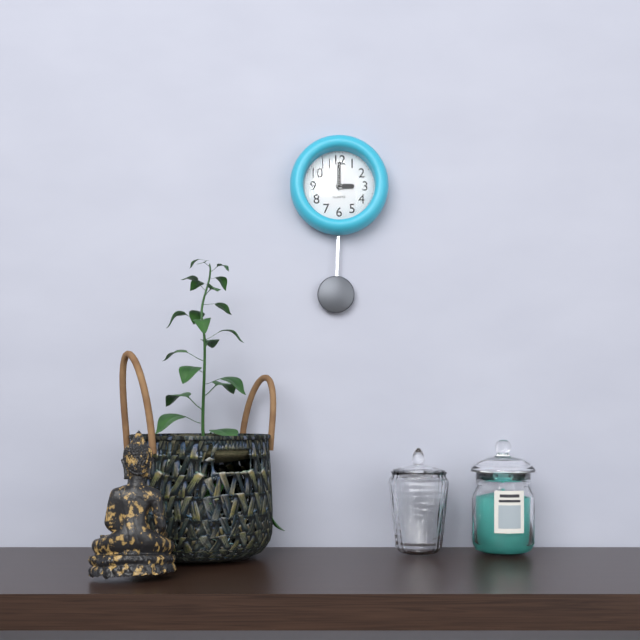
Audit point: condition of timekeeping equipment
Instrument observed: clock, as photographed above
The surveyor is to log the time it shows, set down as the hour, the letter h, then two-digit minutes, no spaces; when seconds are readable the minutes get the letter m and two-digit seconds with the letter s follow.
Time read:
3h00
